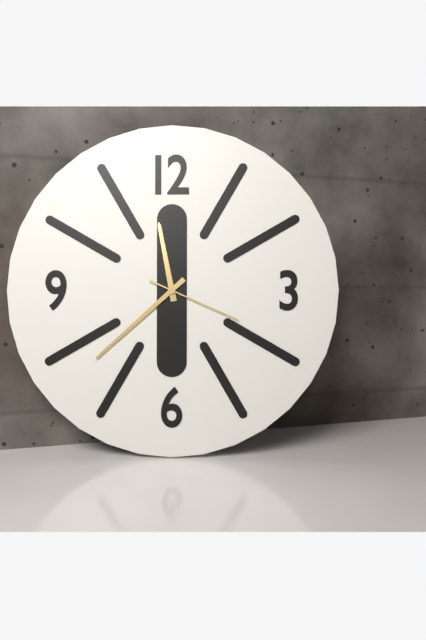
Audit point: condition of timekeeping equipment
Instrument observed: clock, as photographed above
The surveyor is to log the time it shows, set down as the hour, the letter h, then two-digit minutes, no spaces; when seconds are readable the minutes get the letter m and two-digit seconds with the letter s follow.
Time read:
11h38m19s
